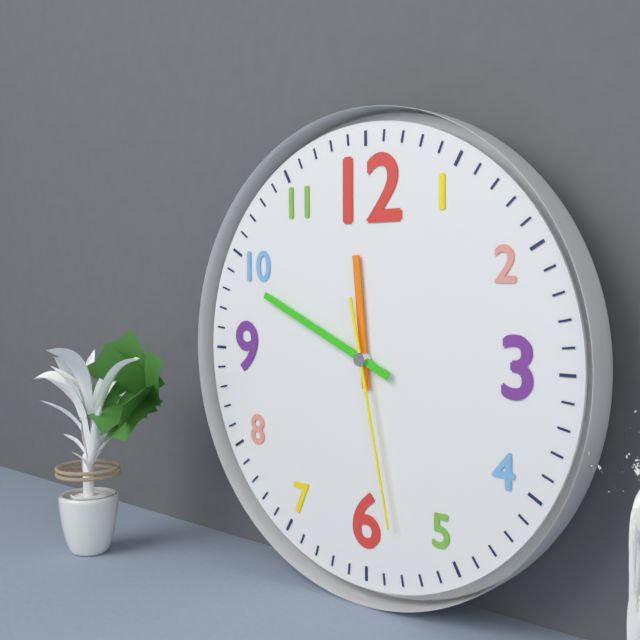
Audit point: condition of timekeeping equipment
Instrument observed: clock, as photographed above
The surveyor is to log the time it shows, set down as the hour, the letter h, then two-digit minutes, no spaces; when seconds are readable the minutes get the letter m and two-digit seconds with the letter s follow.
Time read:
11h49m28s
